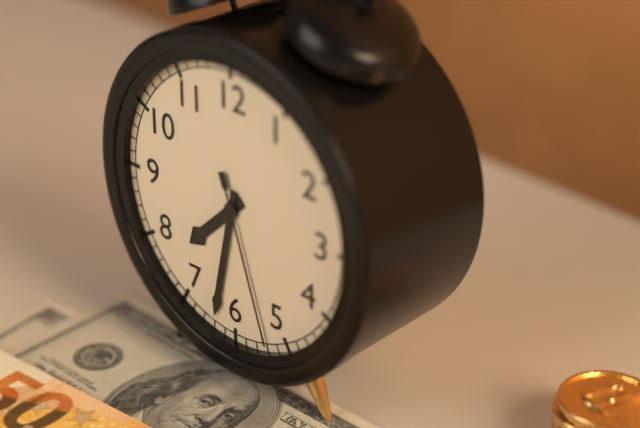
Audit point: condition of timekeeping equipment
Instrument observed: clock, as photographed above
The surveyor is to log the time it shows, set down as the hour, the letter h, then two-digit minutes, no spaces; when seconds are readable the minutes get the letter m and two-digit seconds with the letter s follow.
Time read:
7h32m27s
